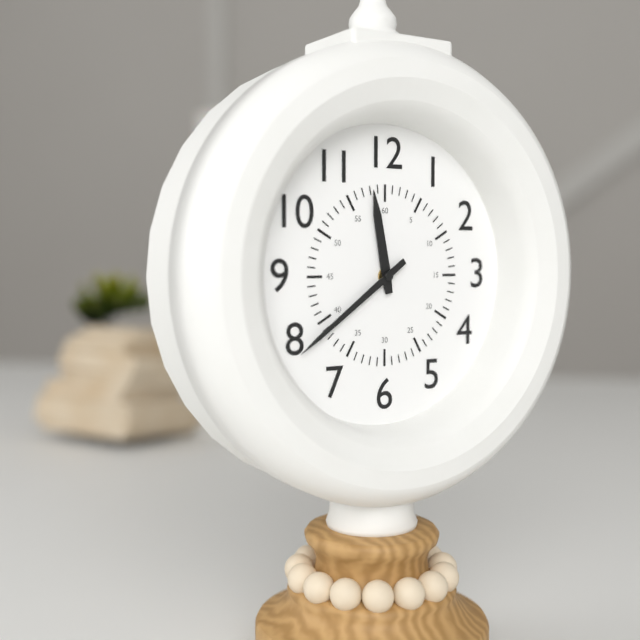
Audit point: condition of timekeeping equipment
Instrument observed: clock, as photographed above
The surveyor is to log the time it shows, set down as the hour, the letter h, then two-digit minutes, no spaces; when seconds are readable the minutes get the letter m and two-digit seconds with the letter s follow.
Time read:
11h39
